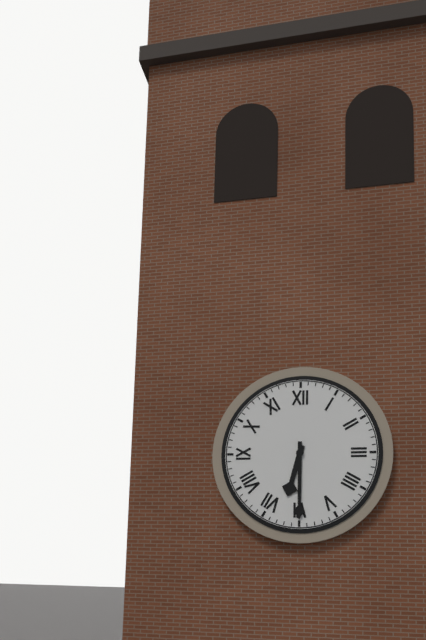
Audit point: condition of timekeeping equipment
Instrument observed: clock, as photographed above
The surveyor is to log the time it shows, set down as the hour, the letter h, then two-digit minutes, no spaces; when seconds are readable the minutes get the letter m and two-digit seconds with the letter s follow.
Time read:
6h30
